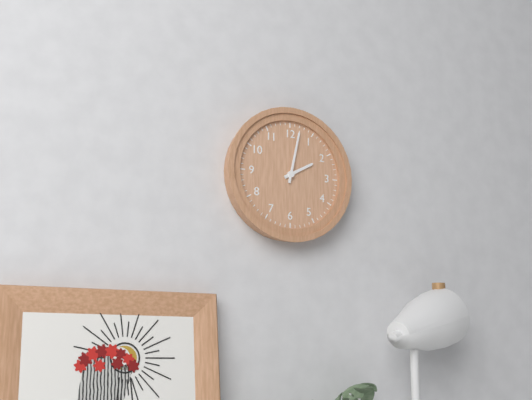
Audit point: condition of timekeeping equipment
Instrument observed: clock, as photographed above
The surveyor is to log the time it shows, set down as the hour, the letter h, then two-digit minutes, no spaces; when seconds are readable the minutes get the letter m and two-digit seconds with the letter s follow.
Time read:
2h02
